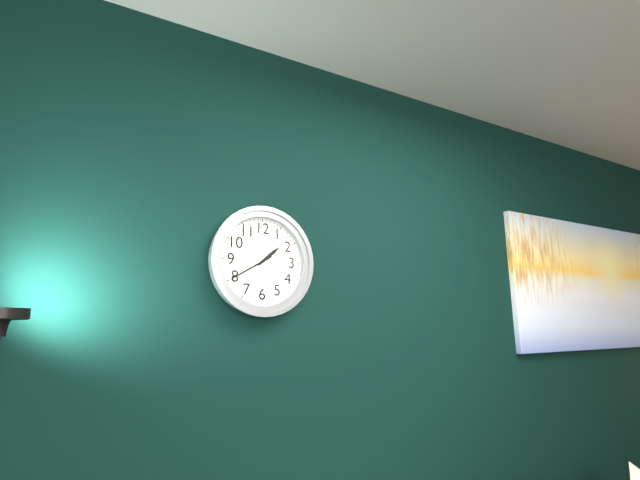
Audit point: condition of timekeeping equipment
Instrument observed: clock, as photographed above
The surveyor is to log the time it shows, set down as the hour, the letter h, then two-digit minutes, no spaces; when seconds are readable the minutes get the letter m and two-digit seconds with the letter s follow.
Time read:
1h40
